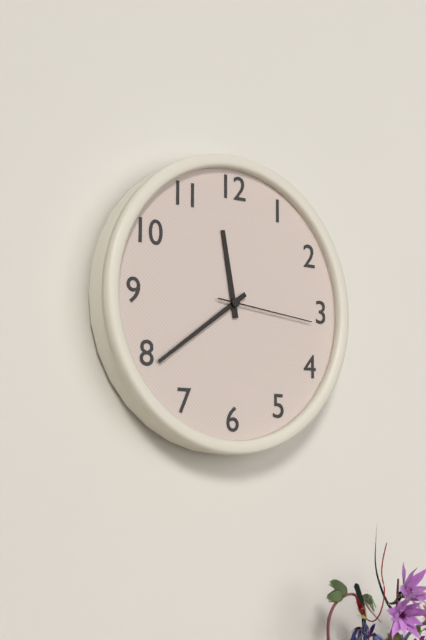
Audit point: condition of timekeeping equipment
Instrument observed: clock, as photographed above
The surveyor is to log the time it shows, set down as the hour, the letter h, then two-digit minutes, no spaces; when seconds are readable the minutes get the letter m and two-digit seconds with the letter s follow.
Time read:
11h39m16s
